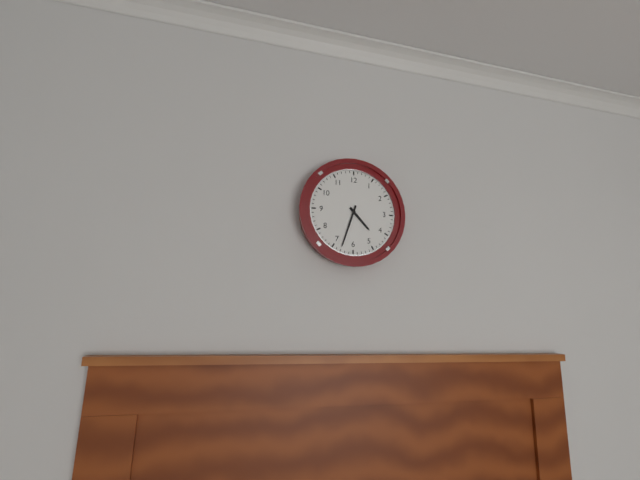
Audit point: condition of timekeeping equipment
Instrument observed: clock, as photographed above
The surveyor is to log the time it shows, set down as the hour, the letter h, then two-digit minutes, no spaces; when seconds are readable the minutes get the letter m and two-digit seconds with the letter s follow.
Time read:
4h33
